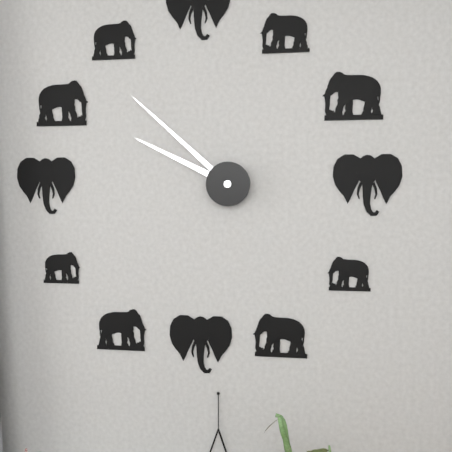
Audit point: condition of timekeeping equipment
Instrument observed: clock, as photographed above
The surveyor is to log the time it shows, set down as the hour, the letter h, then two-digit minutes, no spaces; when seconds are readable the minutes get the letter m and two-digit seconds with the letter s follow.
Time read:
9h52
